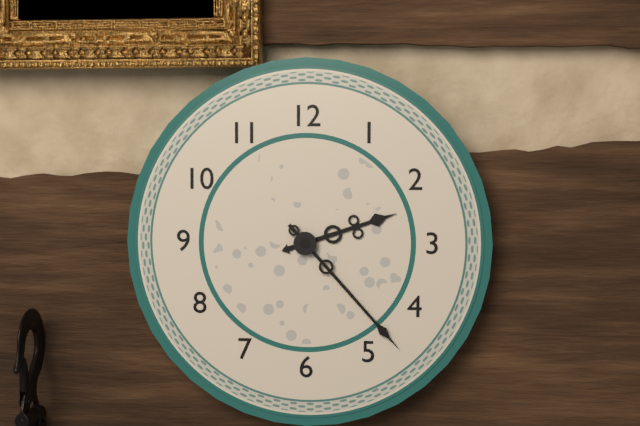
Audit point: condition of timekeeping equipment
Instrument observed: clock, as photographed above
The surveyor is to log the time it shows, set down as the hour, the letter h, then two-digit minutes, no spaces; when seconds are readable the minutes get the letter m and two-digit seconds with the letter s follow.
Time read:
2h23
